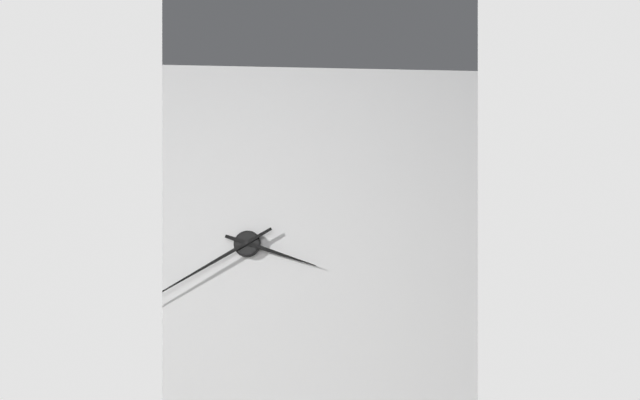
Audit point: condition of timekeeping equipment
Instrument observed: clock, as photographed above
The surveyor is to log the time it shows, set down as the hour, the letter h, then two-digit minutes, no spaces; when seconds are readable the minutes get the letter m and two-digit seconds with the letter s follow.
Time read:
3h40
